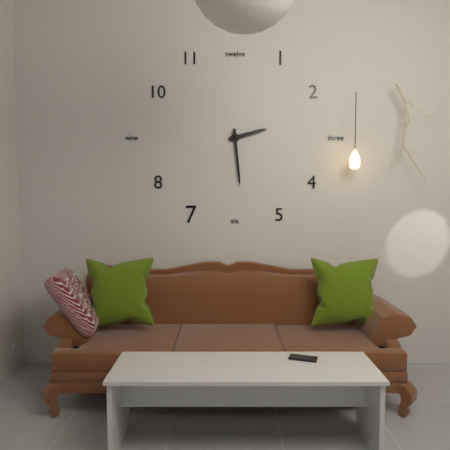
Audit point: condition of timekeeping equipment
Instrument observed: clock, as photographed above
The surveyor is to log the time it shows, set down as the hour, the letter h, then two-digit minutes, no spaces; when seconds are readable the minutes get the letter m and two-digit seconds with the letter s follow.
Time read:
2h29
